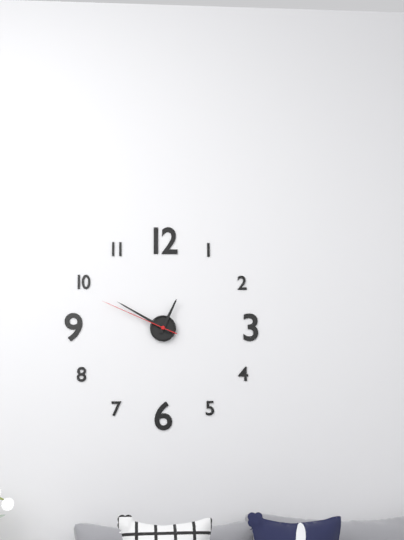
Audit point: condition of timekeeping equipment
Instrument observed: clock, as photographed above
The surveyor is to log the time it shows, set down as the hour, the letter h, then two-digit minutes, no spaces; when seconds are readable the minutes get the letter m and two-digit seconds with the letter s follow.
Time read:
12h50m49s
